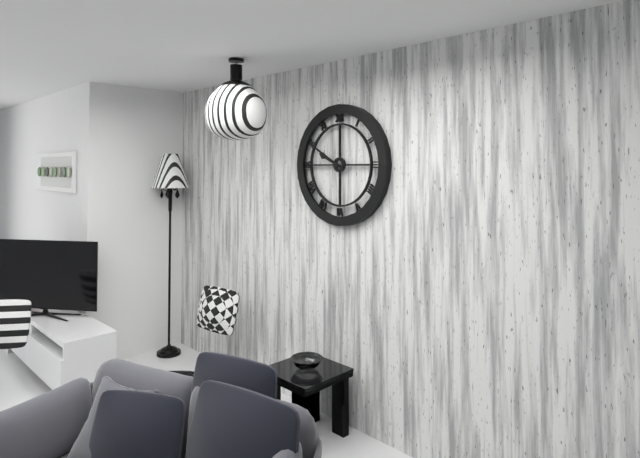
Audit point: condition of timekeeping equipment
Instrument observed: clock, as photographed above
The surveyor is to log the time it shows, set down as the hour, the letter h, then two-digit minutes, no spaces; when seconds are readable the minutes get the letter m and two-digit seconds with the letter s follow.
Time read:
9h50
